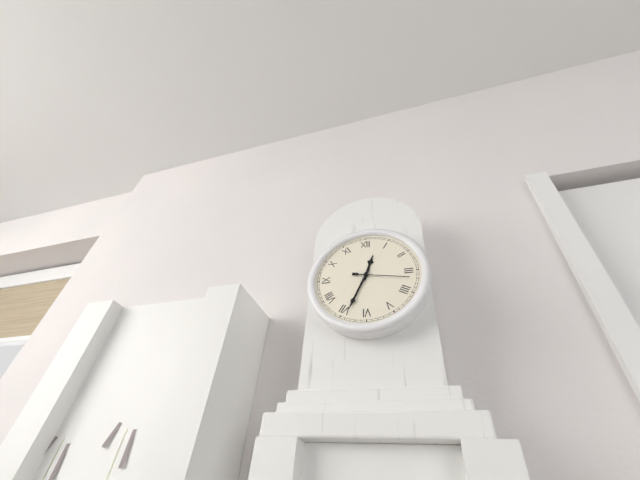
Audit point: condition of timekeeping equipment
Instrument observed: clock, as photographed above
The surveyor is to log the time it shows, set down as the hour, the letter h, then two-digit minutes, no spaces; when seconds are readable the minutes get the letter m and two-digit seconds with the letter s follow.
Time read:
12h34m17s
